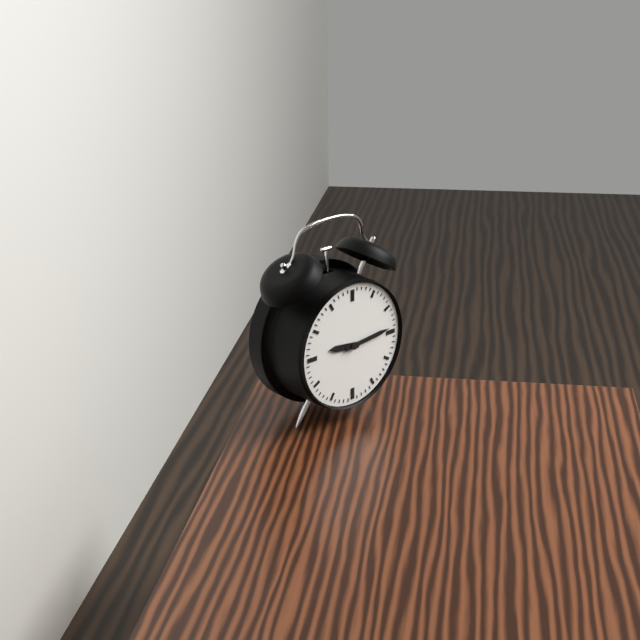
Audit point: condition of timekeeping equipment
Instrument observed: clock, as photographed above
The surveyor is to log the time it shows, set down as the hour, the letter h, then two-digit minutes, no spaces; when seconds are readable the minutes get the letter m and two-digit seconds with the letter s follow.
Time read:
9h14
